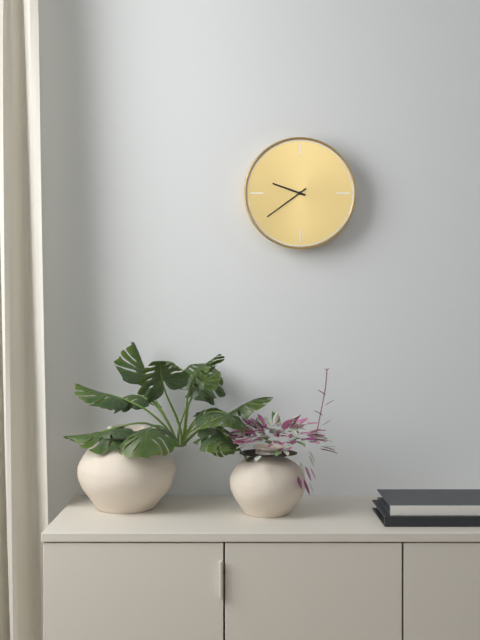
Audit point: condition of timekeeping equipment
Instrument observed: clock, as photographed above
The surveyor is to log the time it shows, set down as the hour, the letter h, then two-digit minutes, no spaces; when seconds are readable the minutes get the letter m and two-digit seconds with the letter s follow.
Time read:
9h39
